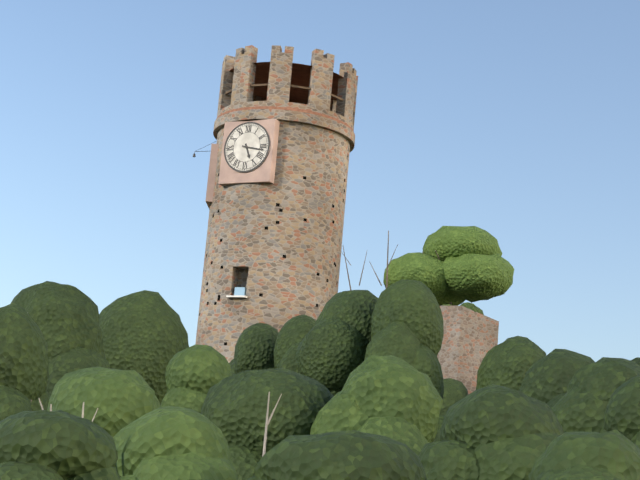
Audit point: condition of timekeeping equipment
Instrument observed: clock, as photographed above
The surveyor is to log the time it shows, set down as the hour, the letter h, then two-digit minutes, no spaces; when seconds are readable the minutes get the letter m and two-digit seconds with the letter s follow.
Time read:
5h17
